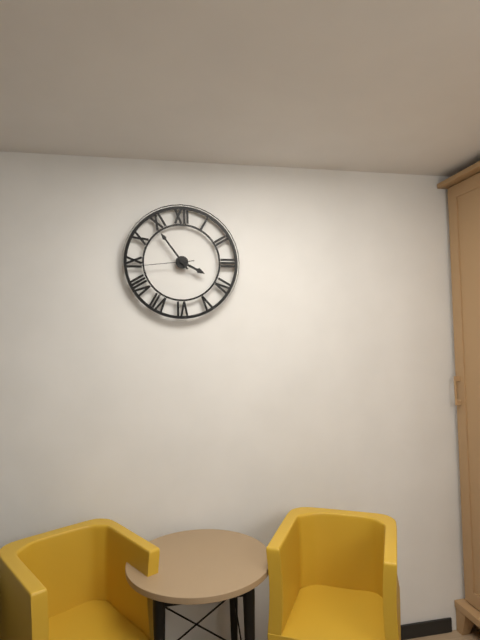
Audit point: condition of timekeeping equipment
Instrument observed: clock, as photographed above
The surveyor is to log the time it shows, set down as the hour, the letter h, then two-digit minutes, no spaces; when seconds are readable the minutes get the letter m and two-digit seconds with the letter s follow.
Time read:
3h54m44s
